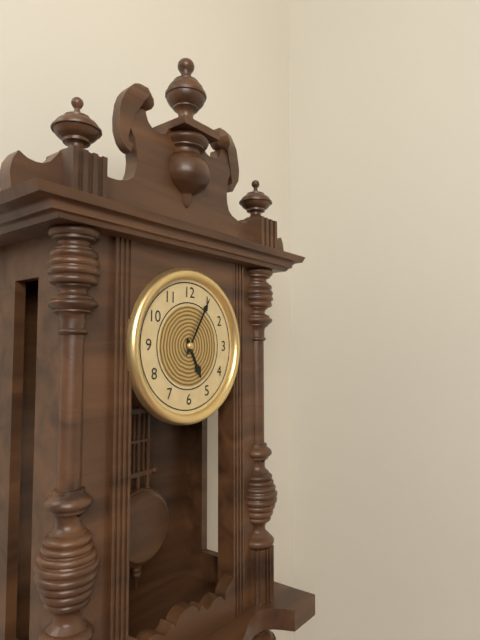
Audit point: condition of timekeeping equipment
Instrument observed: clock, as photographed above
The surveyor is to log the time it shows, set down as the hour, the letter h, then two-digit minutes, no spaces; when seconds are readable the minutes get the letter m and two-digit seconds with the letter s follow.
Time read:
5h05
